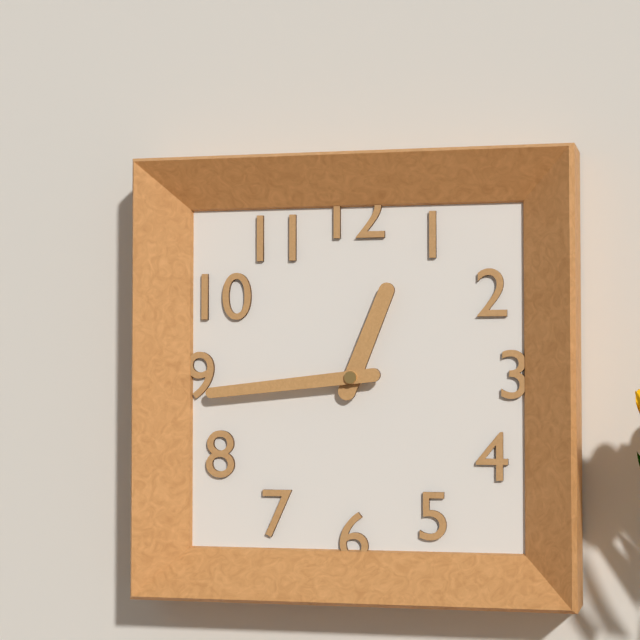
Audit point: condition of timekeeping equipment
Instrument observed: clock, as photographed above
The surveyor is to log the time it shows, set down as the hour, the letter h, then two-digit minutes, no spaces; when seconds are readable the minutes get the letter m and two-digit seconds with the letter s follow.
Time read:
12h44
